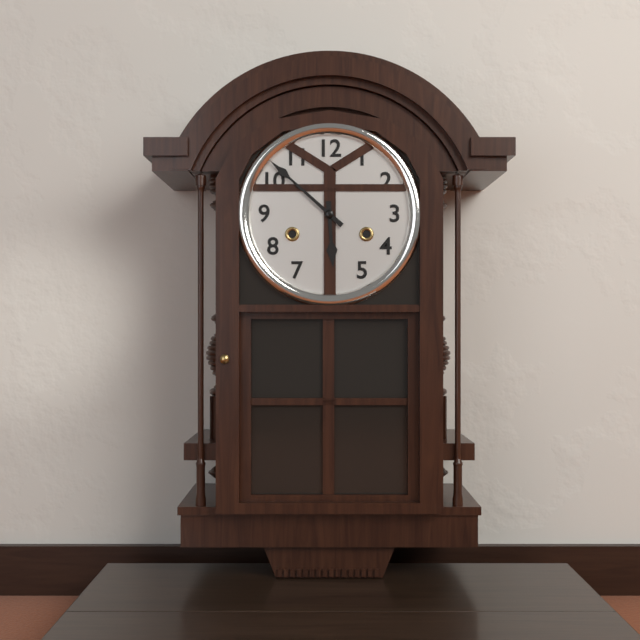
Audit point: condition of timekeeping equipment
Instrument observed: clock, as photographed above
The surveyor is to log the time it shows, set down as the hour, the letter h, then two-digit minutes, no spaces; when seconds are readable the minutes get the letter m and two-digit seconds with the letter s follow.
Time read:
5h52
